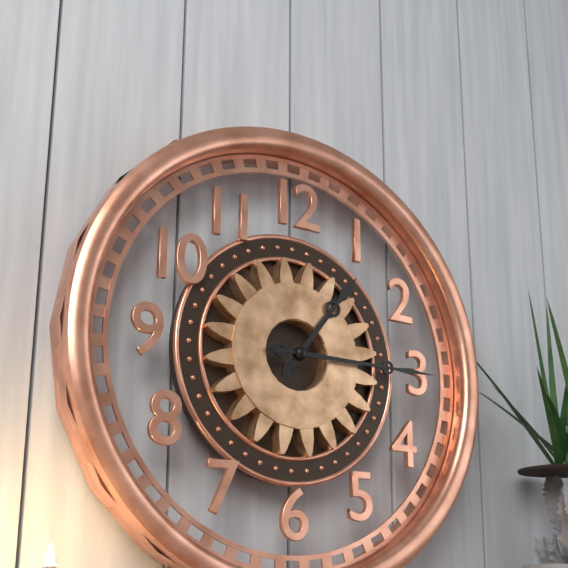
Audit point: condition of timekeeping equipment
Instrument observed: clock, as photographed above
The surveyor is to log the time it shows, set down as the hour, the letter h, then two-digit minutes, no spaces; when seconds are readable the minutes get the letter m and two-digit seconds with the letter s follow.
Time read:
1h15
